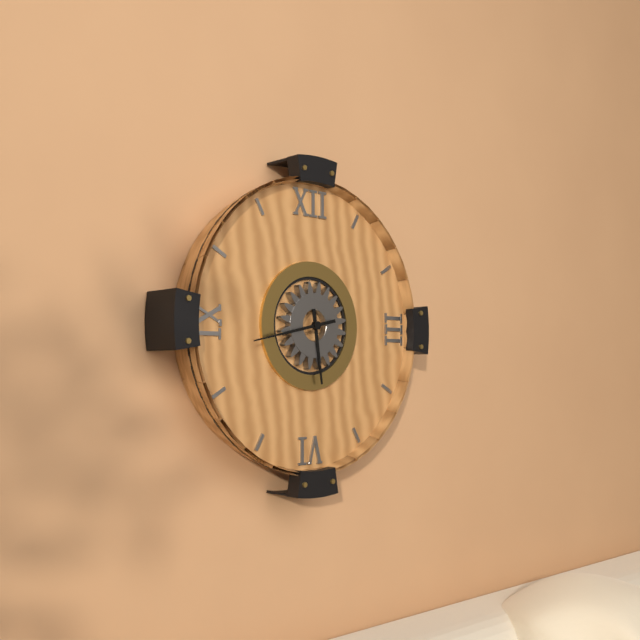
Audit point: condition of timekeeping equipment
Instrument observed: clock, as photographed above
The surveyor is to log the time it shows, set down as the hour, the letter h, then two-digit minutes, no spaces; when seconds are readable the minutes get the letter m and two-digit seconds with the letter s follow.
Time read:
5h43
